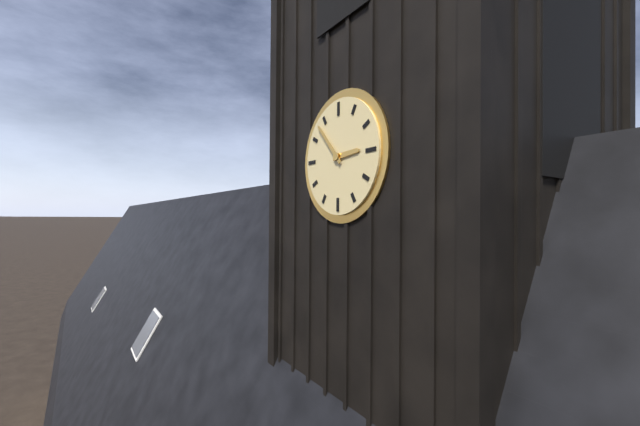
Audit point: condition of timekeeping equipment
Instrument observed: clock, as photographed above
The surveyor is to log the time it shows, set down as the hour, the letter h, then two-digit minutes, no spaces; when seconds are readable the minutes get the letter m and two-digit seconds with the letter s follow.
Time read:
2h53
